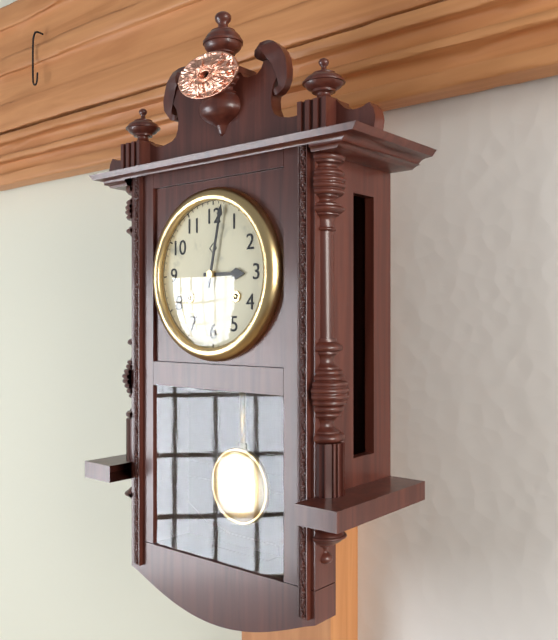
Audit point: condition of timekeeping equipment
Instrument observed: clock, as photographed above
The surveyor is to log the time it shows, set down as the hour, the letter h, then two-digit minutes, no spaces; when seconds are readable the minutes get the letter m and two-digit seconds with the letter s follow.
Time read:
3h02
